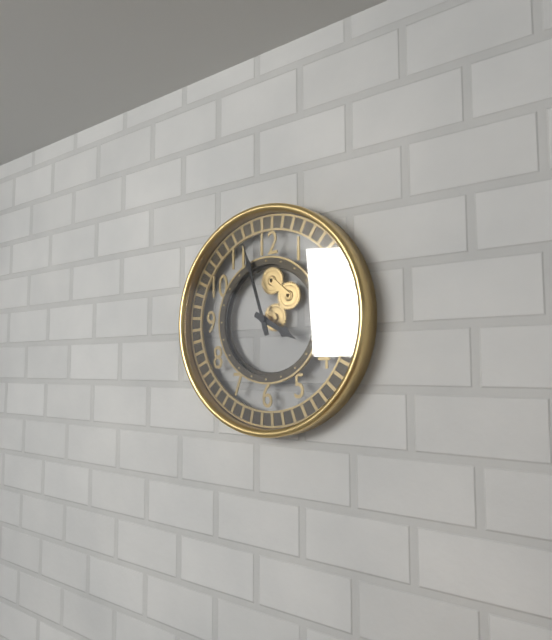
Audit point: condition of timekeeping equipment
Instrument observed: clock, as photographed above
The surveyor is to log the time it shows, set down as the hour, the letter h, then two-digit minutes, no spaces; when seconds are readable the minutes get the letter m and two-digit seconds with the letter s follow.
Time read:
3h57
